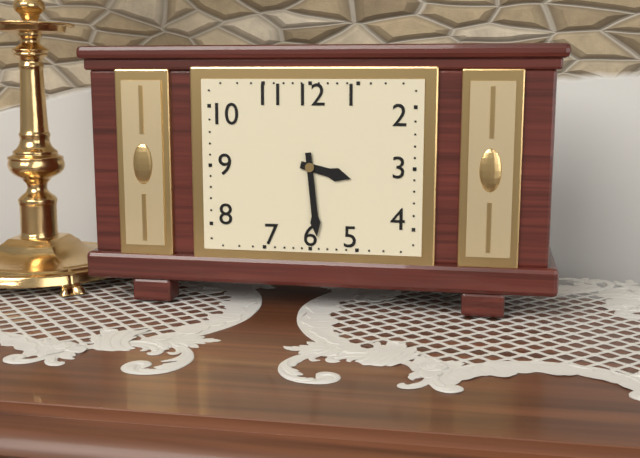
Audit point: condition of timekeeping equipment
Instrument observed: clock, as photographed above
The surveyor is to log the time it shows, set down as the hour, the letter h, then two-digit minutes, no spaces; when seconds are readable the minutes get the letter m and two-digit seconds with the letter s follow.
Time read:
3h29
